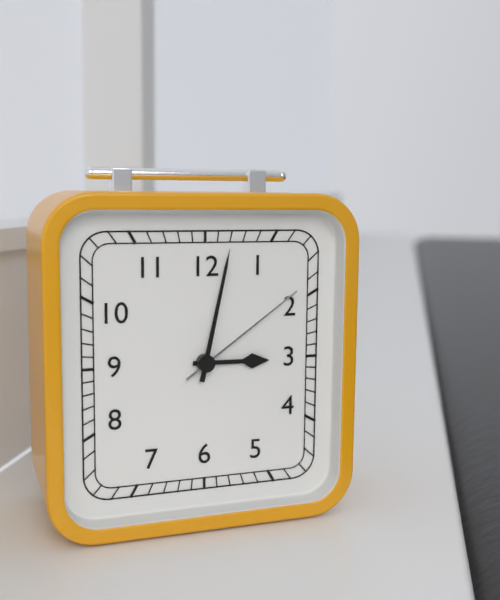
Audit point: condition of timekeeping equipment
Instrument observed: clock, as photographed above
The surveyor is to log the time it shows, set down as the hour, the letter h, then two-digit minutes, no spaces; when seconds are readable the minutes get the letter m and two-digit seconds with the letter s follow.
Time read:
3h02m09s
